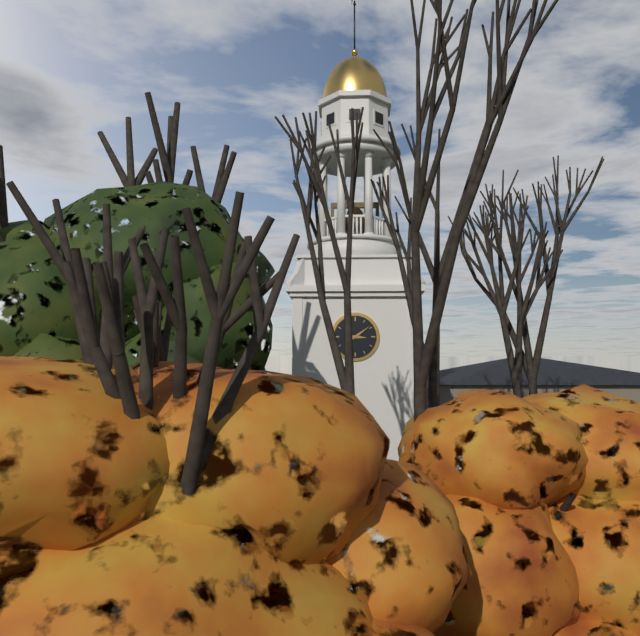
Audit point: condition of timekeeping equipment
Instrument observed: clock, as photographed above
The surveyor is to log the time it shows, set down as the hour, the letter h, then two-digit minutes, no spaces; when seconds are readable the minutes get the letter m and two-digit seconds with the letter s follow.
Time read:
3h09
